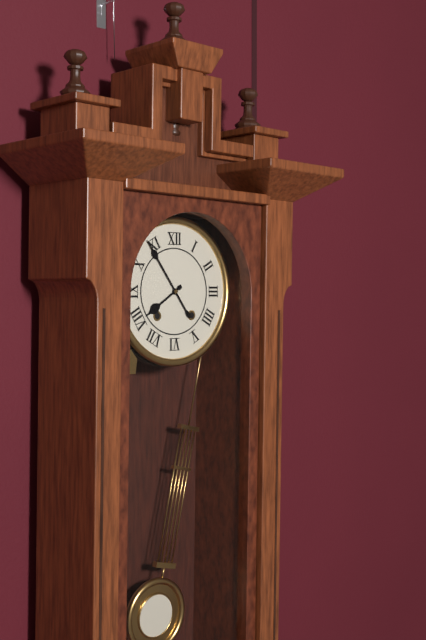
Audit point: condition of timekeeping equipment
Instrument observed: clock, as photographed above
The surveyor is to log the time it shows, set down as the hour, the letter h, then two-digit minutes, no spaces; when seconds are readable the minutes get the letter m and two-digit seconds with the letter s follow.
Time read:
7h54
